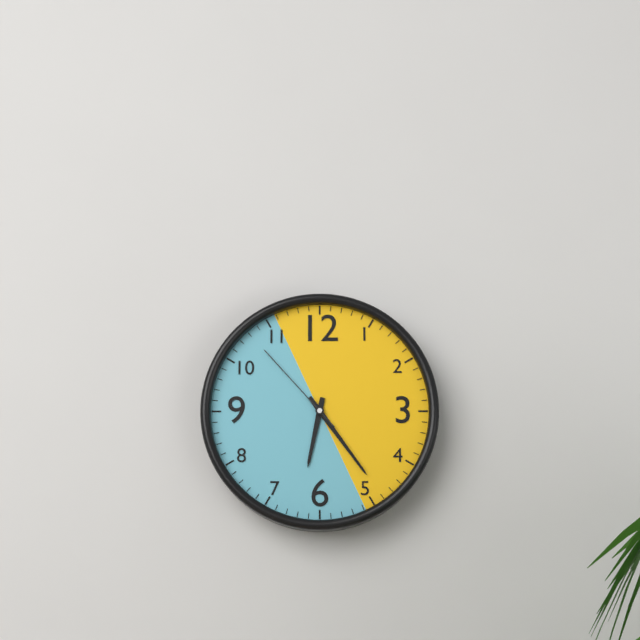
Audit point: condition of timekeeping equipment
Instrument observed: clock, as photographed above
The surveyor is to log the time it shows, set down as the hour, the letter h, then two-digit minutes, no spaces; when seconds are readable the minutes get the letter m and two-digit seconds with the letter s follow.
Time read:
6h24m53s
